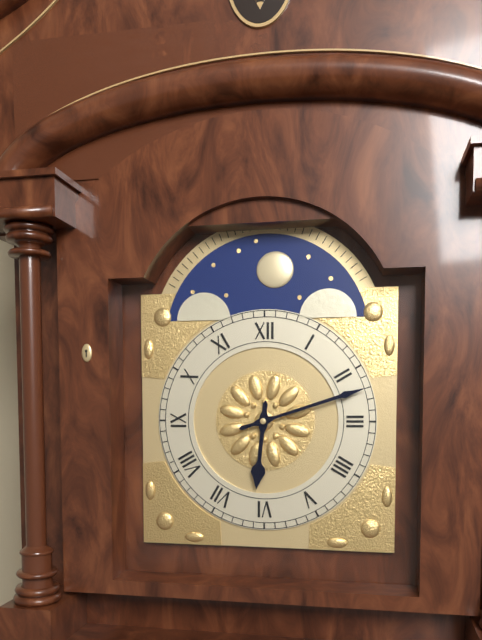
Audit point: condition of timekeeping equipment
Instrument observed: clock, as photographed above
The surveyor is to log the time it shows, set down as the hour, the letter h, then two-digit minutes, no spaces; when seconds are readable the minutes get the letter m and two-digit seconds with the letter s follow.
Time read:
6h12
